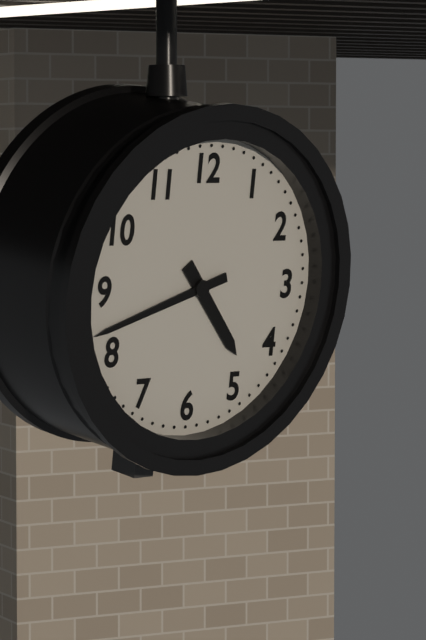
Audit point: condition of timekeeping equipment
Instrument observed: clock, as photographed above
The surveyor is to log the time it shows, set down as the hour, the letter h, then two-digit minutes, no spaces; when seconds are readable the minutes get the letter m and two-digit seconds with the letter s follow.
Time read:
4h42
